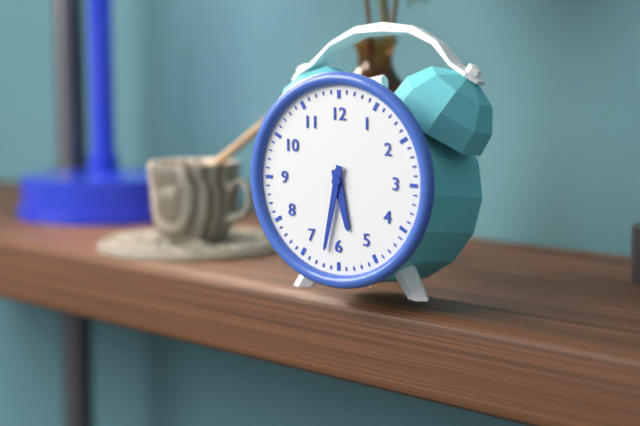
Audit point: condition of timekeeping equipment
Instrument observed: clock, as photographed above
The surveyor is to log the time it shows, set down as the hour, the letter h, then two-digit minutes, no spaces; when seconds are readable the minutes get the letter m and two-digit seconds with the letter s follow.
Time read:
5h32
